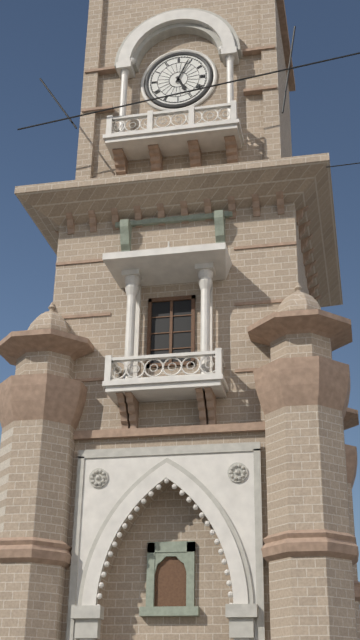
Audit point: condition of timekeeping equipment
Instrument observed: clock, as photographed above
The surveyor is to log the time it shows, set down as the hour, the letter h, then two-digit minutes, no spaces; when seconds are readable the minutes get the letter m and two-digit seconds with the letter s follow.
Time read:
5h04
